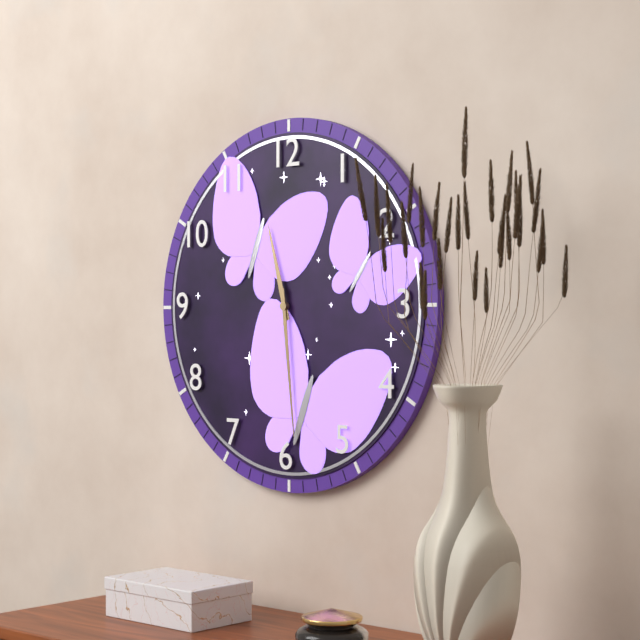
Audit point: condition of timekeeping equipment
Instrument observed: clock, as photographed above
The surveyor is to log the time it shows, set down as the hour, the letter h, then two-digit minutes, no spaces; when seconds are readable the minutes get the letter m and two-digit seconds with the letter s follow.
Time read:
11h29
